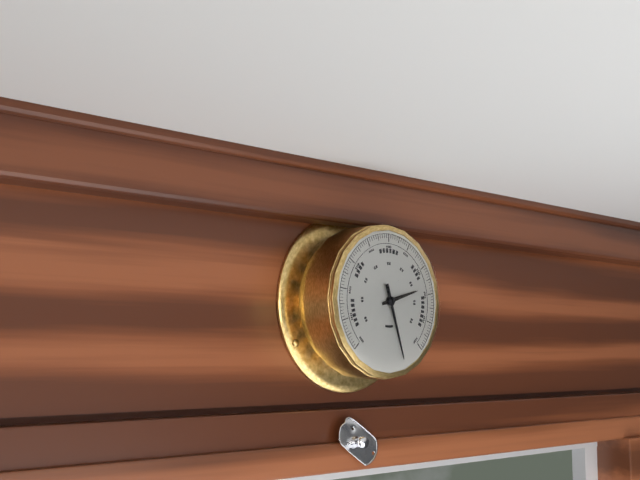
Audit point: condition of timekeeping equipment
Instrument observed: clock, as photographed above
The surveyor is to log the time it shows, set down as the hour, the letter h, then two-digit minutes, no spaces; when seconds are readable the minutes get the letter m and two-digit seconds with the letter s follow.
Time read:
2h27
